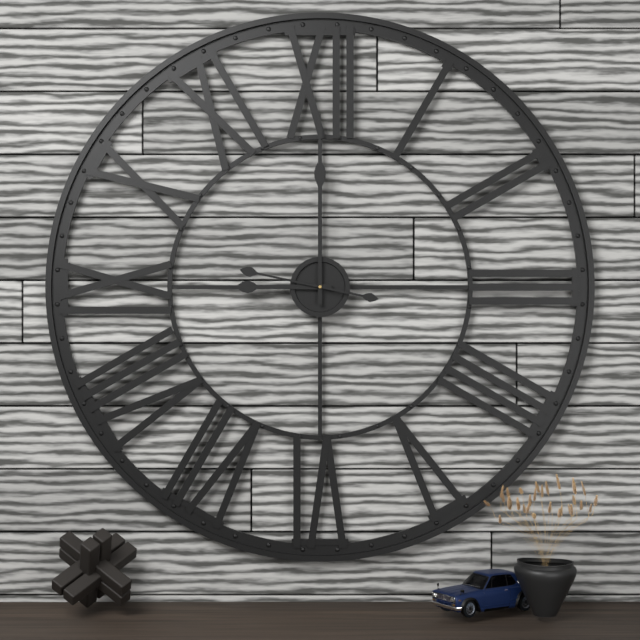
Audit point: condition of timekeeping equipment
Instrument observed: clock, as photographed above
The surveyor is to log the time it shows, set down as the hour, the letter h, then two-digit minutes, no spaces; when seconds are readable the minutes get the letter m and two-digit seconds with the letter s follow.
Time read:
9h00m47s
